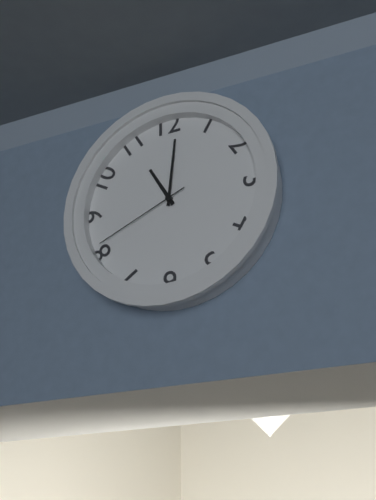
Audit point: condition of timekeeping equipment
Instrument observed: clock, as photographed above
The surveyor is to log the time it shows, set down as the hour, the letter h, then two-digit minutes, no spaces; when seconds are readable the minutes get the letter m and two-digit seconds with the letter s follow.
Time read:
11h01m41s
